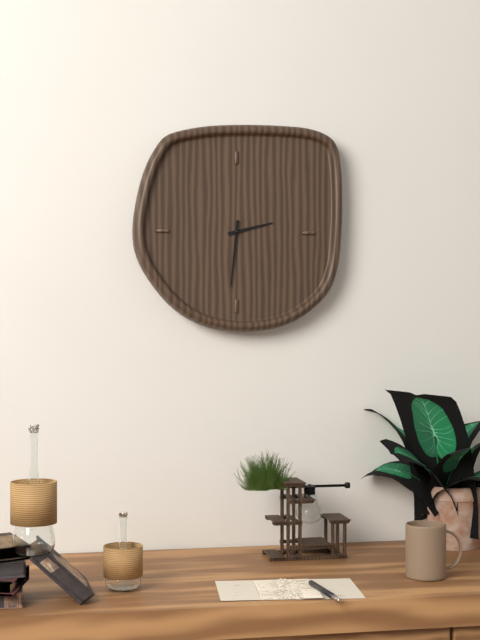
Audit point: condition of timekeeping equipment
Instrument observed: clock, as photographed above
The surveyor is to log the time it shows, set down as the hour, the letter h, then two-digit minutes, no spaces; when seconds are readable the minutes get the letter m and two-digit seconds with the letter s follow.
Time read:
2h31
